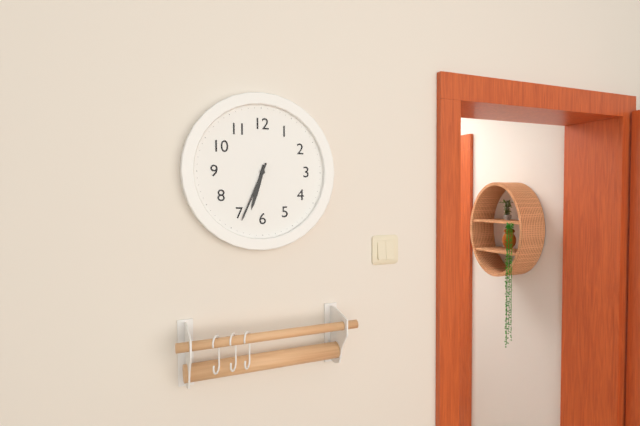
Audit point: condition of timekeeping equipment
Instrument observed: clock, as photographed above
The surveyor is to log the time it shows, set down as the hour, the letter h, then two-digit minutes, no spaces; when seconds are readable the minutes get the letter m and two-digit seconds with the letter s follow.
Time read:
6h34
